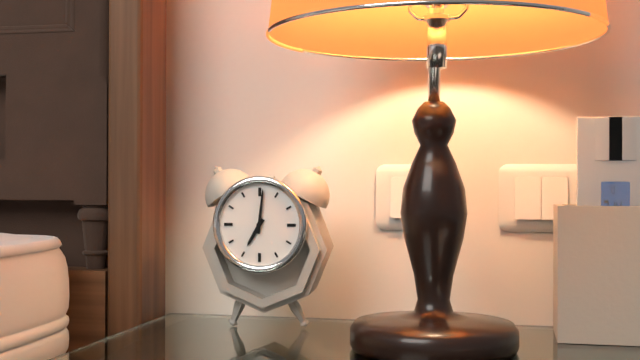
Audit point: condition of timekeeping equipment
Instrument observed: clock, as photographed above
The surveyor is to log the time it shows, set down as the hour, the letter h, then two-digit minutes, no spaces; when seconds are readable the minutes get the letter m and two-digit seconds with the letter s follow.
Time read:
7h01
